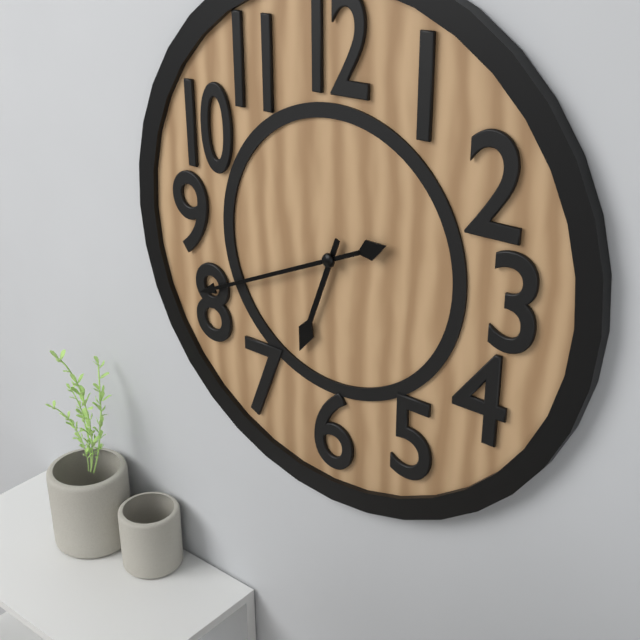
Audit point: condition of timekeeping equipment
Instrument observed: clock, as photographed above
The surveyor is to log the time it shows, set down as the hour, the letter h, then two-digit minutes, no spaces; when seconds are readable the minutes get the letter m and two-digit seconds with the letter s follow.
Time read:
6h41
